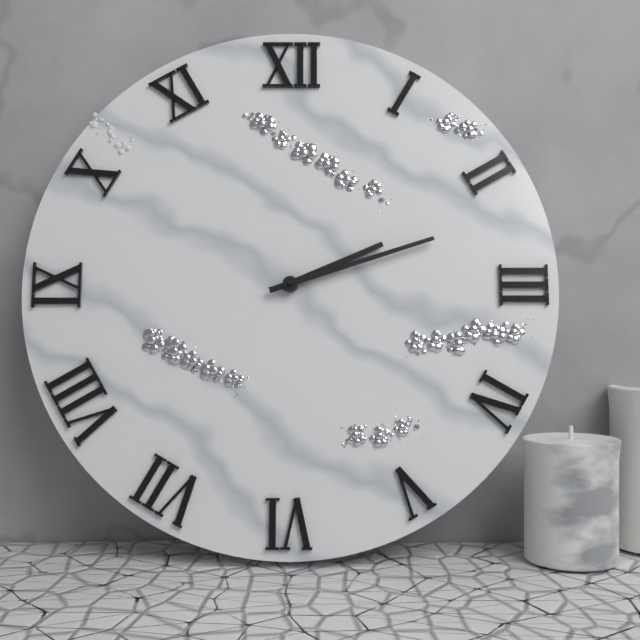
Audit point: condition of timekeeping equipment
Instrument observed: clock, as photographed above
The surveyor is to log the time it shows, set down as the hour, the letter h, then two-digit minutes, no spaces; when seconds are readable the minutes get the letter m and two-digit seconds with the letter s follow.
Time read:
2h12
